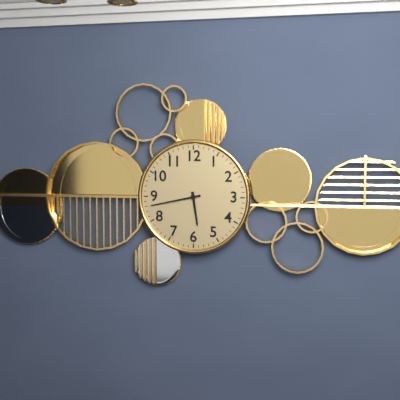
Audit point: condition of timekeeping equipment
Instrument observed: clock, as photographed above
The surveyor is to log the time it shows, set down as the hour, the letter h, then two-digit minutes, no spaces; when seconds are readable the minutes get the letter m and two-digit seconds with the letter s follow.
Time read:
5h43
